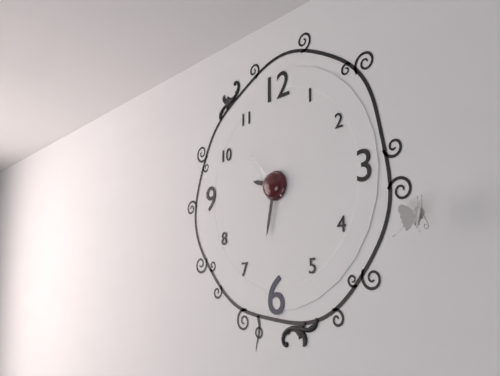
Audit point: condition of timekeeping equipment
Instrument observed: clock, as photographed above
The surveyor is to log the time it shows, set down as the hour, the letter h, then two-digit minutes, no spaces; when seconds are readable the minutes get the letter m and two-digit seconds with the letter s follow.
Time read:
9h32m53s
